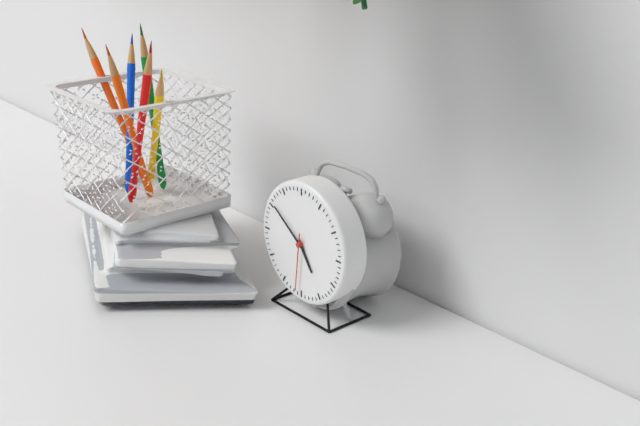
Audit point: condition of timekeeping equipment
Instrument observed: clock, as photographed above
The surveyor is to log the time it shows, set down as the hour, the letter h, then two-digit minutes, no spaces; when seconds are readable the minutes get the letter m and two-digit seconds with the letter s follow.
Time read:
4h51m31s
